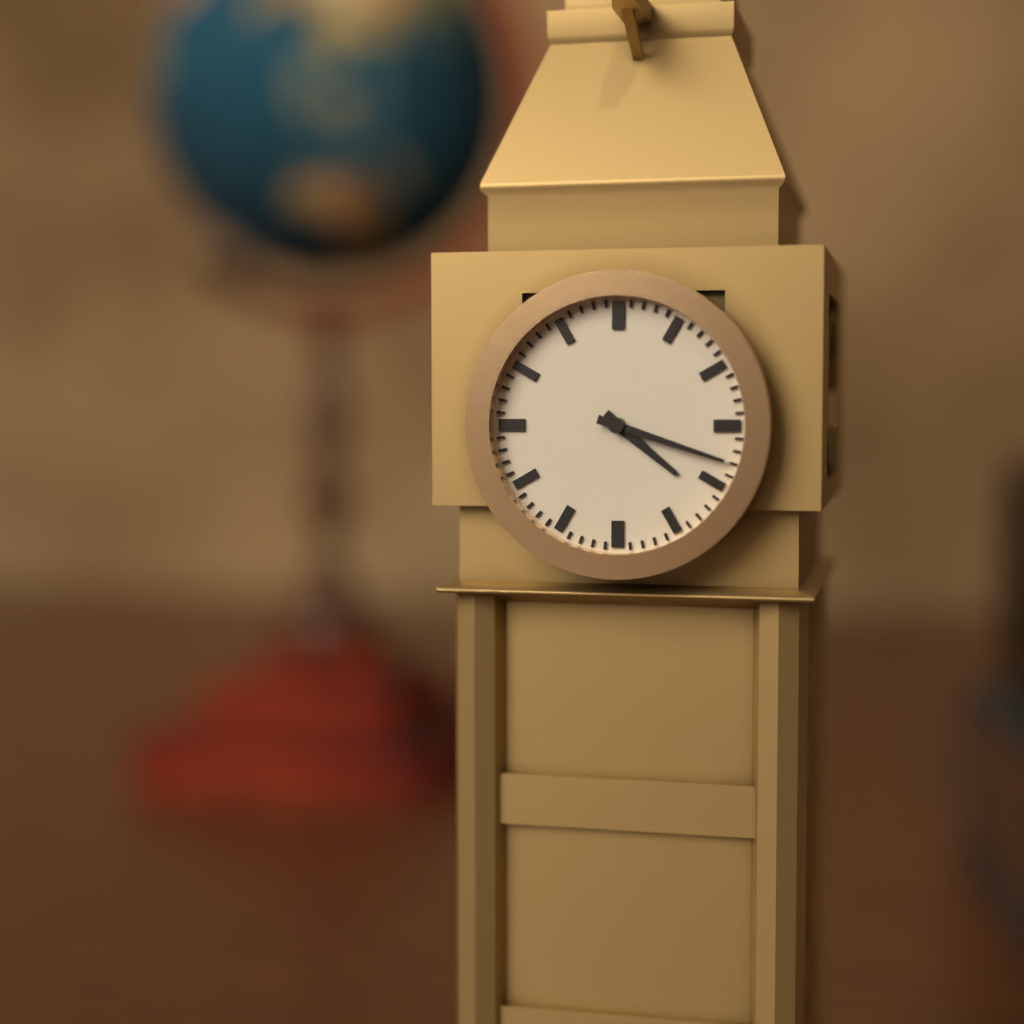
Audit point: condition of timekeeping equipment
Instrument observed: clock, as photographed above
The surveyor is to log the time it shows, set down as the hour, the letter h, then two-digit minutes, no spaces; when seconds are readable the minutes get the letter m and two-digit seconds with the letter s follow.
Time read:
4h18
